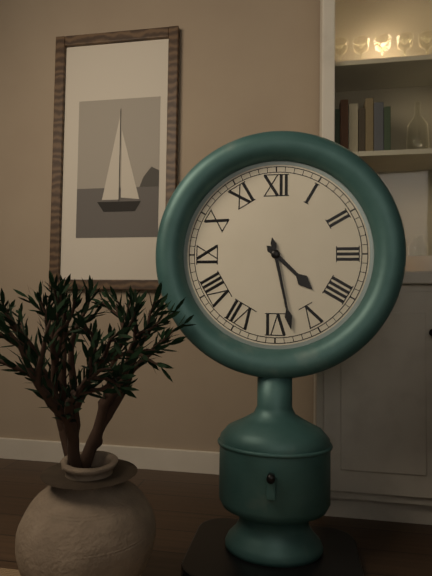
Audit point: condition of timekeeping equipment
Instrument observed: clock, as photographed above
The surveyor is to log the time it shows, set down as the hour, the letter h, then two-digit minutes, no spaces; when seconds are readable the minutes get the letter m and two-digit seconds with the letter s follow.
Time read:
4h28
